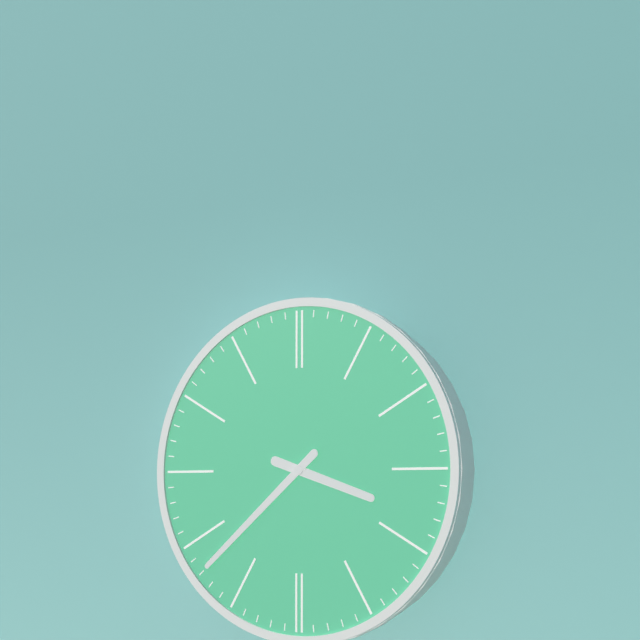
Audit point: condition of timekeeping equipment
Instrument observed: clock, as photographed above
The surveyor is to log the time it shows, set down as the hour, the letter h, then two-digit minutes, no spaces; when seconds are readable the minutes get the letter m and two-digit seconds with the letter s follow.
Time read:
3h38
